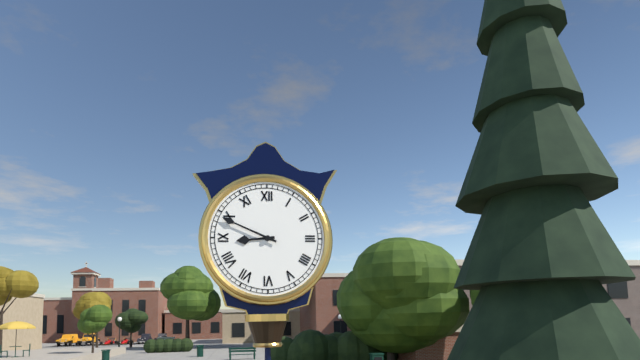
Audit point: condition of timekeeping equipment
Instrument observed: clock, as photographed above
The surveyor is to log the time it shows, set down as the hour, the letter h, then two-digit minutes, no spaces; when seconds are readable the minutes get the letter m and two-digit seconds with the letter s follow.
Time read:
8h49
